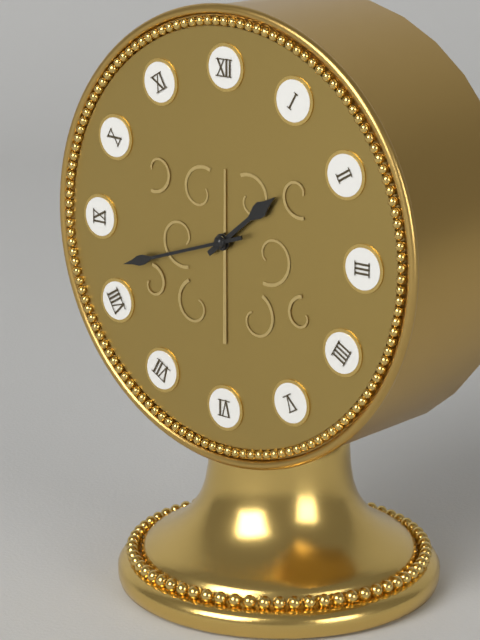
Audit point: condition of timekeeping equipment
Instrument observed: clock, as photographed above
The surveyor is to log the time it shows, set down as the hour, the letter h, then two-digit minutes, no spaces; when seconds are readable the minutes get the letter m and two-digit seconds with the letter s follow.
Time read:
1h42
